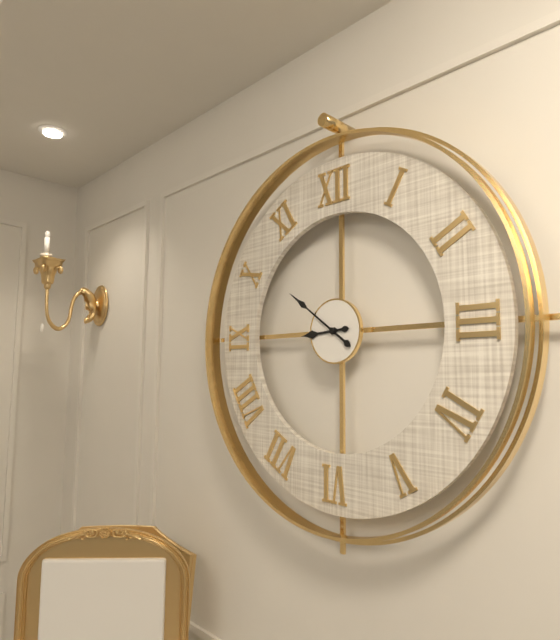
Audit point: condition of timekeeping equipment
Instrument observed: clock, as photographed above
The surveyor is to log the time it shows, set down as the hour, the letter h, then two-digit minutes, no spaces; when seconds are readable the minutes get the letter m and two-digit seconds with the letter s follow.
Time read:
8h51
